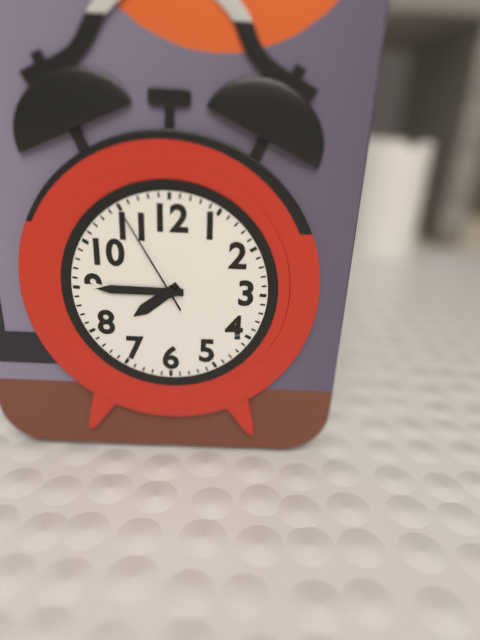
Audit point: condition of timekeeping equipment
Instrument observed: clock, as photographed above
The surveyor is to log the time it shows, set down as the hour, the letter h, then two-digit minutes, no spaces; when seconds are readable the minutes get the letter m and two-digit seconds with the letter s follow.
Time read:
7h45m55s
